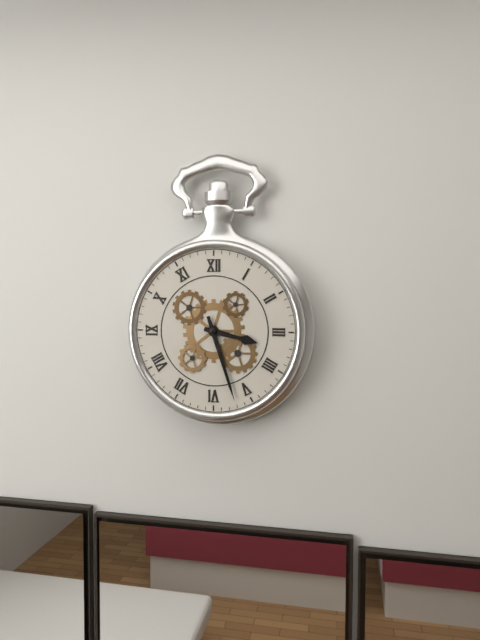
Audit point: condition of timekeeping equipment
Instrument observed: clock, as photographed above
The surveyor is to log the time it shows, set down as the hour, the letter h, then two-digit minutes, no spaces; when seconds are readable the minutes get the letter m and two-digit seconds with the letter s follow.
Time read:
3h27
